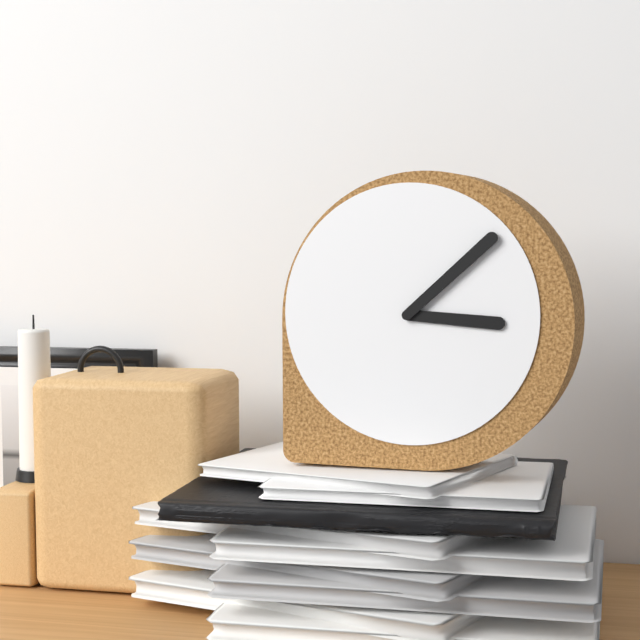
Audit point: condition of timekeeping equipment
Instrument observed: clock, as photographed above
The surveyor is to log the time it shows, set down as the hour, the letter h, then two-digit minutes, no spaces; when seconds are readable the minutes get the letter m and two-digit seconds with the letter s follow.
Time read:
3h08
